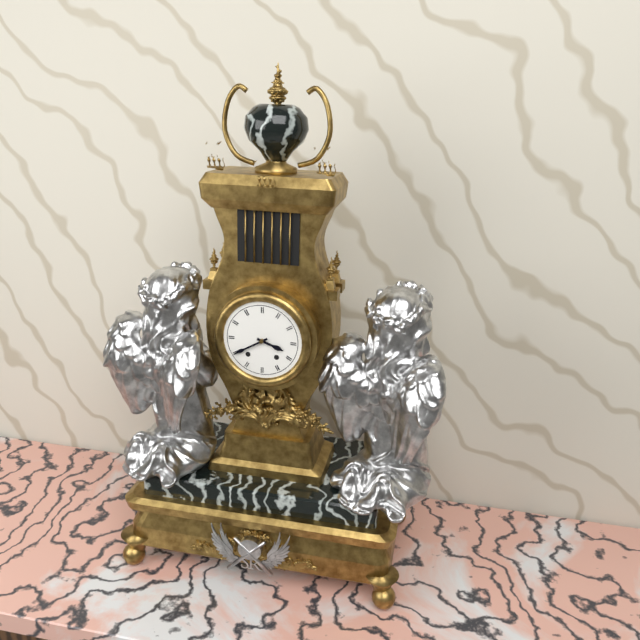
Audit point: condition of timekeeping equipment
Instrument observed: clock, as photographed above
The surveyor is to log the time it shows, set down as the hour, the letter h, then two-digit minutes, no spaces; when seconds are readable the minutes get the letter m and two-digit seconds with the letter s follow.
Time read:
3h40
